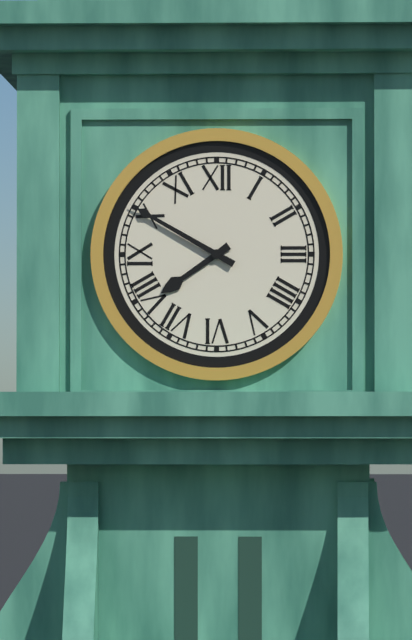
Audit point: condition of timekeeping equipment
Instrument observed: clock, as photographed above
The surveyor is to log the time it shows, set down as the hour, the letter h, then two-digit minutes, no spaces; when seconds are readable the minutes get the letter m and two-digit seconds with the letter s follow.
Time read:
7h50
